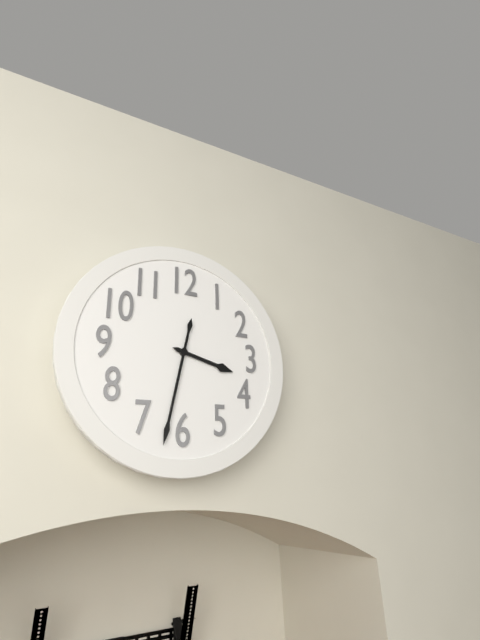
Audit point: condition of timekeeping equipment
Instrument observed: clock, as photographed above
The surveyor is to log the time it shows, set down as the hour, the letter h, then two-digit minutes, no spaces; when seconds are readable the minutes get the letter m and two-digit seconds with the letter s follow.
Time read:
3h32
